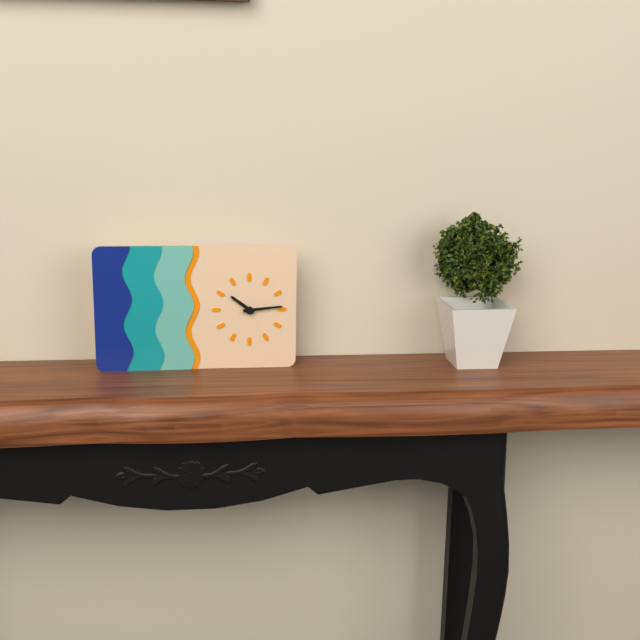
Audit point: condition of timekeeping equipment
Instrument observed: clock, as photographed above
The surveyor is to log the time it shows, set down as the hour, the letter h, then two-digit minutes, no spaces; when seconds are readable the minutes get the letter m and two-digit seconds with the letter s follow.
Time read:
10h14
